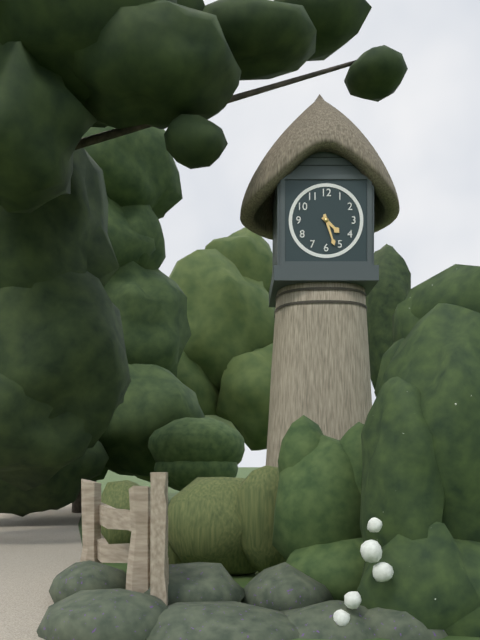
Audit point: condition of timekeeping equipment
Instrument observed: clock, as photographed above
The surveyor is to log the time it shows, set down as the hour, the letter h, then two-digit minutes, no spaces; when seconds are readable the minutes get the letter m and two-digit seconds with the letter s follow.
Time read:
4h27
